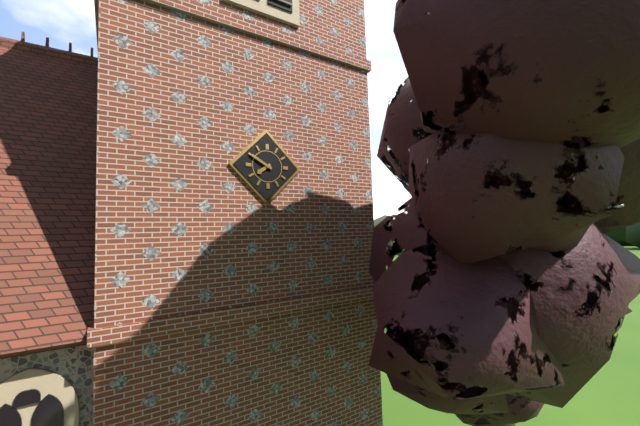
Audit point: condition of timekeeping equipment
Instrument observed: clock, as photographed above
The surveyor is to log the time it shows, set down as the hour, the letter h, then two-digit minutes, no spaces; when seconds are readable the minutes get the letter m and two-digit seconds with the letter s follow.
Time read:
7h50
